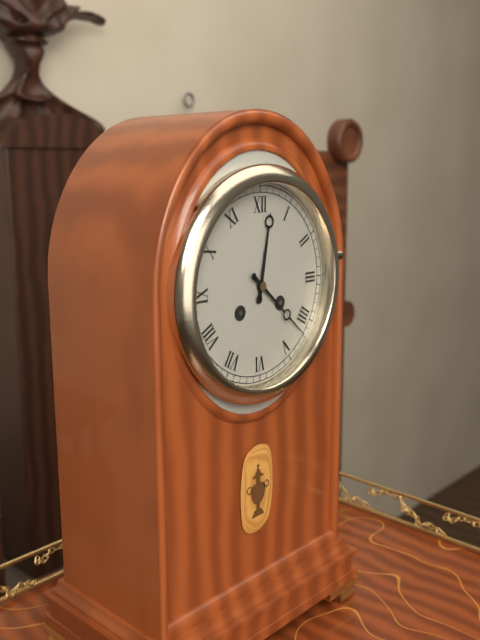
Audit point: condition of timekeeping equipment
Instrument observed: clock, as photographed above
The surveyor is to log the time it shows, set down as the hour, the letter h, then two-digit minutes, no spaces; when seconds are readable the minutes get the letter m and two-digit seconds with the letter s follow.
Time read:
12h22
